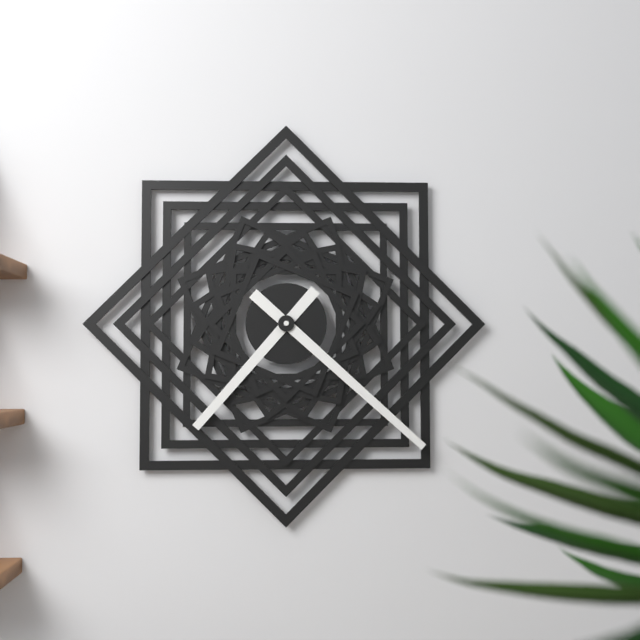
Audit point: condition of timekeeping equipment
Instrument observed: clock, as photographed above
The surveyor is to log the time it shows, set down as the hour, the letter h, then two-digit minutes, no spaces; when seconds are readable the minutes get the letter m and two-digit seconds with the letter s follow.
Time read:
7h22
